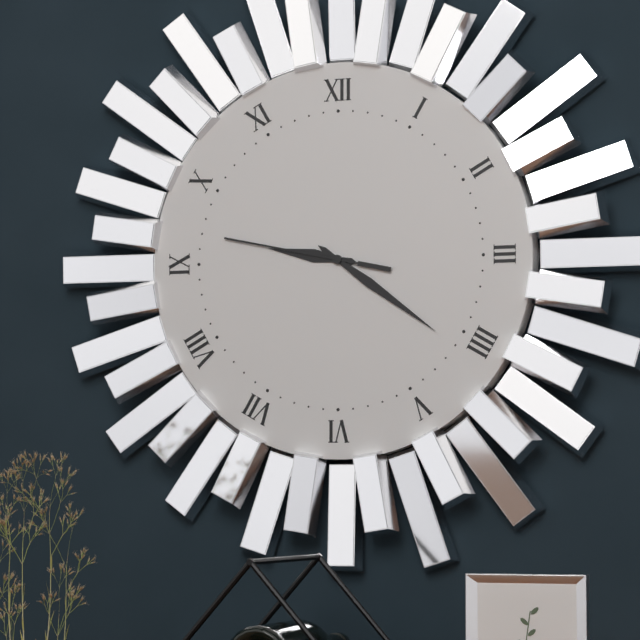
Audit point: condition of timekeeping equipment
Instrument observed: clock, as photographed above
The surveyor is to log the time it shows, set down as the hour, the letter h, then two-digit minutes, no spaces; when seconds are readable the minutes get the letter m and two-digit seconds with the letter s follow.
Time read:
9h21m47s
